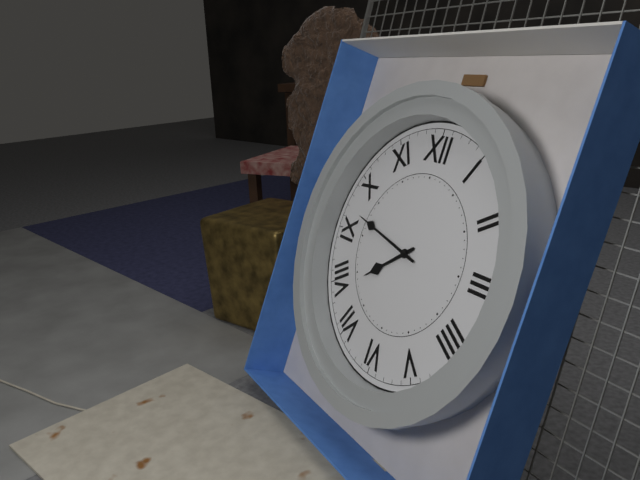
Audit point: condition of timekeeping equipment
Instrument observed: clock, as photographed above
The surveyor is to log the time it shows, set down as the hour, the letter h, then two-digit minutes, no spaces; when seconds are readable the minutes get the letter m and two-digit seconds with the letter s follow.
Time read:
7h47
